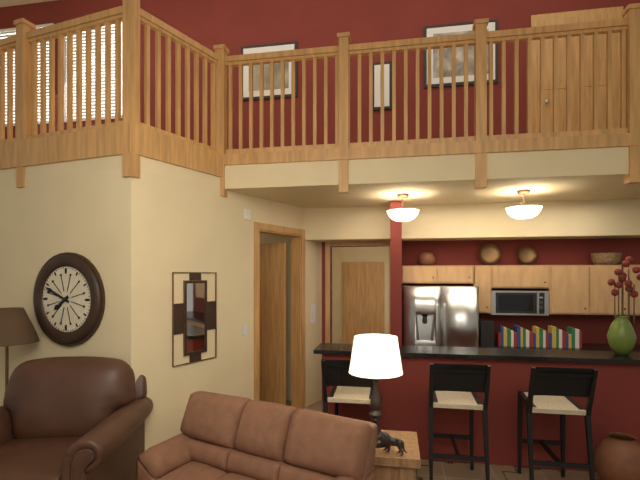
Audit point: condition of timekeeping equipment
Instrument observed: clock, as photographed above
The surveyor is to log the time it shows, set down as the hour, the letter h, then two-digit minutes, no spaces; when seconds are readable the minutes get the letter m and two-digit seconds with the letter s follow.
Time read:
7h49
